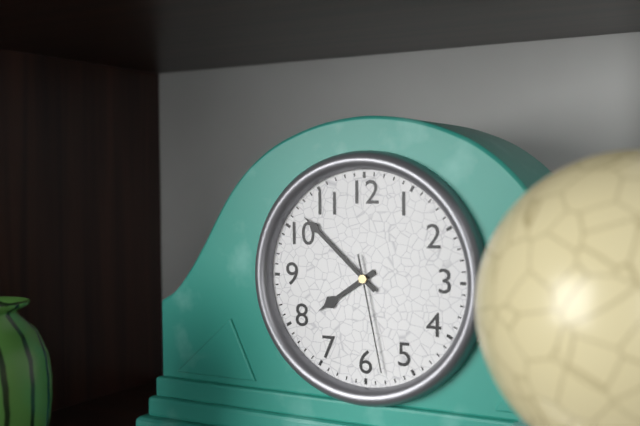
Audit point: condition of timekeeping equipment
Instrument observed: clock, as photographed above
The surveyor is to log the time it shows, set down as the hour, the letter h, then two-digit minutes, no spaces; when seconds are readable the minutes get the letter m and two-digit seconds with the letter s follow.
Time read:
7h52m28s
